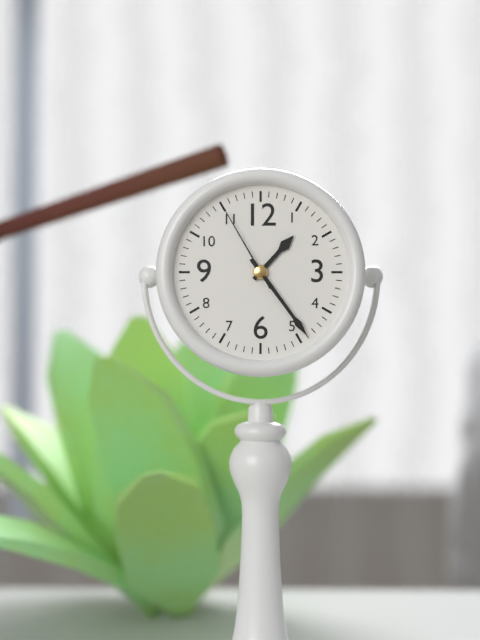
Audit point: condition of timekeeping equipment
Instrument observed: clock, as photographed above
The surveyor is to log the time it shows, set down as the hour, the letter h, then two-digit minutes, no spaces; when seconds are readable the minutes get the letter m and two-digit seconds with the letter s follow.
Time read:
1h24m55s
